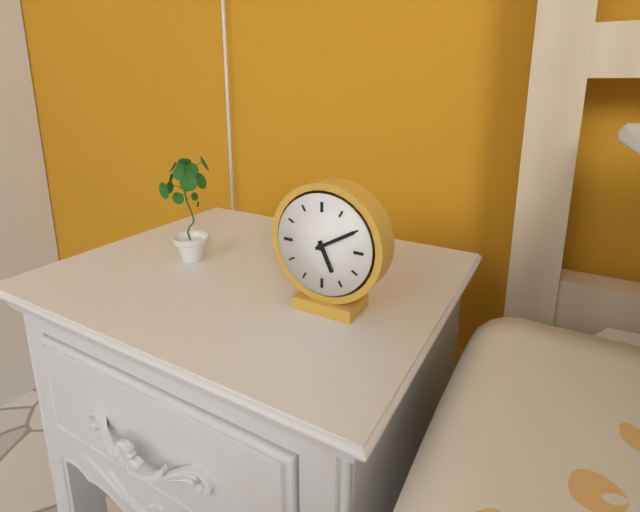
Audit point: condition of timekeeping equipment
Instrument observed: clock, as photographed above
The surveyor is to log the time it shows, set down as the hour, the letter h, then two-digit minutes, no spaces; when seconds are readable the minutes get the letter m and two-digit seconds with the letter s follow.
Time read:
5h10
